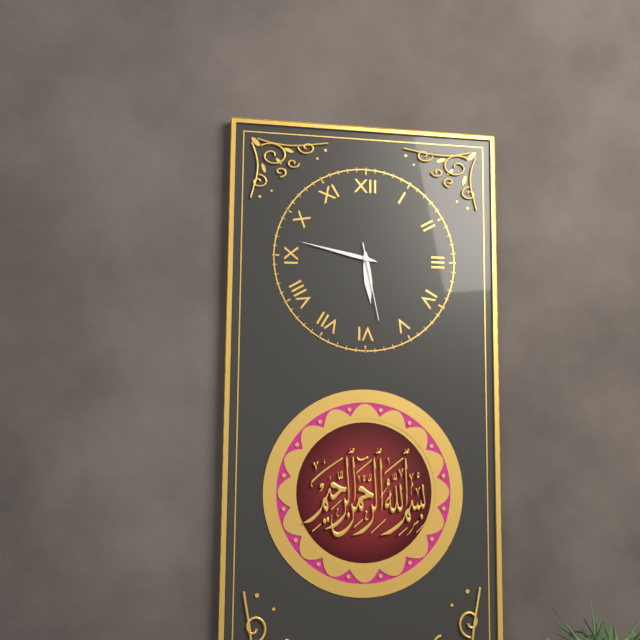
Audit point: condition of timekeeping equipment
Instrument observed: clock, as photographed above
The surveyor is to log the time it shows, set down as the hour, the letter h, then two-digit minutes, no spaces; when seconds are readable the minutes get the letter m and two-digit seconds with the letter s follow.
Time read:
5h47m28s
